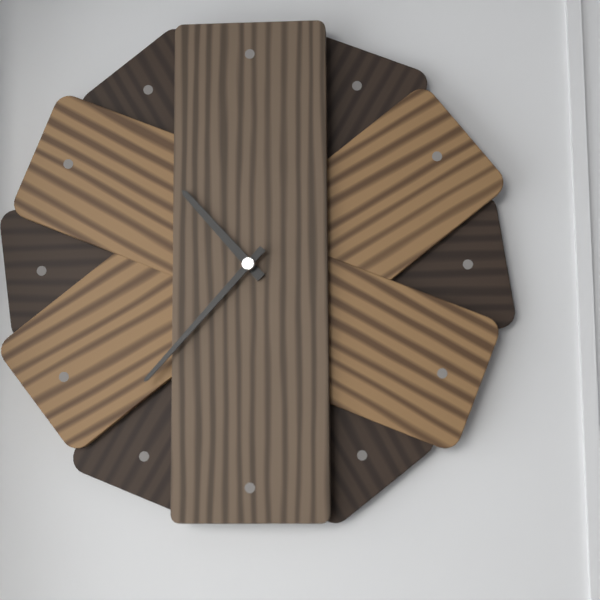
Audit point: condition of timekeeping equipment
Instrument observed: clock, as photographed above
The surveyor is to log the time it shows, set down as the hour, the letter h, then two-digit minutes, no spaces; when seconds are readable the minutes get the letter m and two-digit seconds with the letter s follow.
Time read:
10h37
